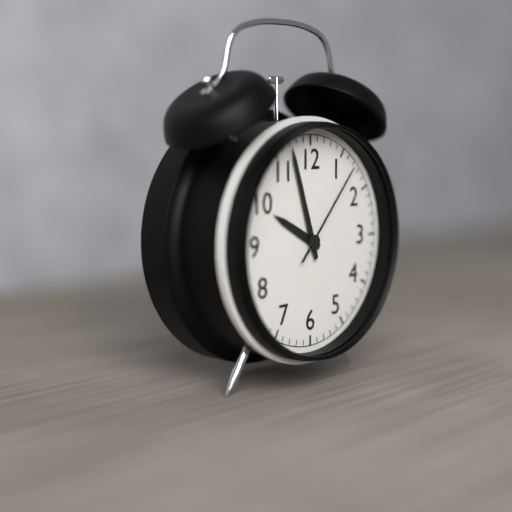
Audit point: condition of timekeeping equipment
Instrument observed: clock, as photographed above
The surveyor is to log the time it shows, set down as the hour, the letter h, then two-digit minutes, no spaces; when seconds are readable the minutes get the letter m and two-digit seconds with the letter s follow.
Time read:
9h57m07s
